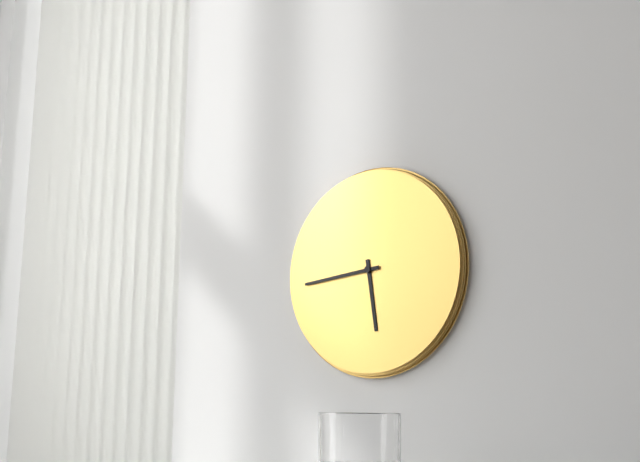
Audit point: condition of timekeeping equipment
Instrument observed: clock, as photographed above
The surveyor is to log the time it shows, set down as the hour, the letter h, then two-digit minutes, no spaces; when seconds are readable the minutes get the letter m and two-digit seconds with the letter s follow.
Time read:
5h44
